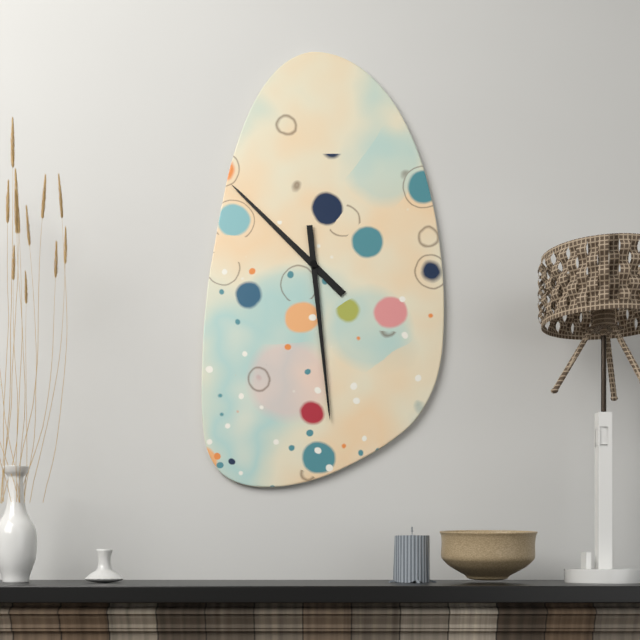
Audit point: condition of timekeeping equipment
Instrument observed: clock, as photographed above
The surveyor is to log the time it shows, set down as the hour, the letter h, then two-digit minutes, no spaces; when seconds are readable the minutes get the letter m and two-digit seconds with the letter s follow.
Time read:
10h29
